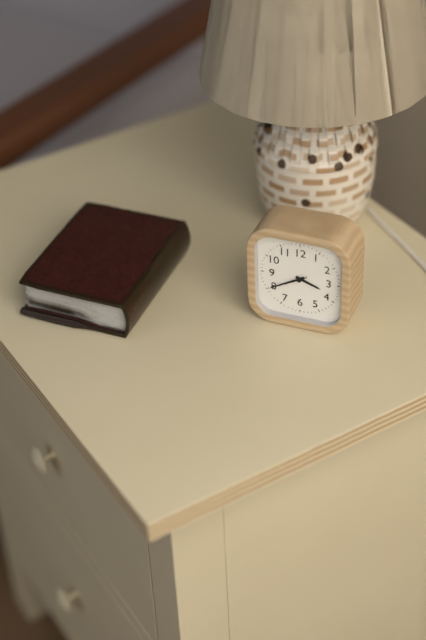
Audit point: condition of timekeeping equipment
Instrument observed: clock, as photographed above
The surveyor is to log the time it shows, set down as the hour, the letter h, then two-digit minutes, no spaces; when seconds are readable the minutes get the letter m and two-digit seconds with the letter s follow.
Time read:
3h40
